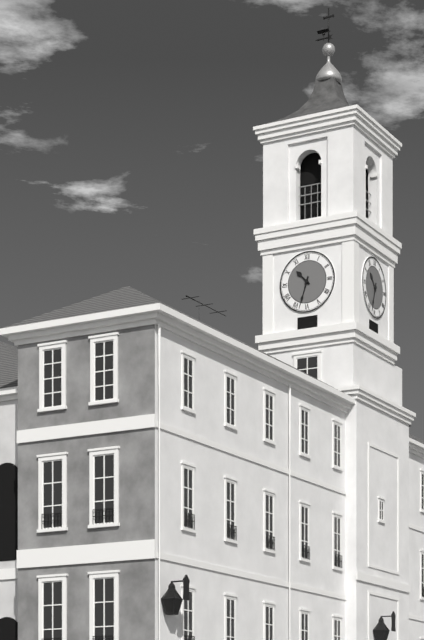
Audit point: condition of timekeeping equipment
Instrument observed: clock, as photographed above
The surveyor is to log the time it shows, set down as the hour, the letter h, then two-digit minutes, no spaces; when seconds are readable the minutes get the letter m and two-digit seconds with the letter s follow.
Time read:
10h33
